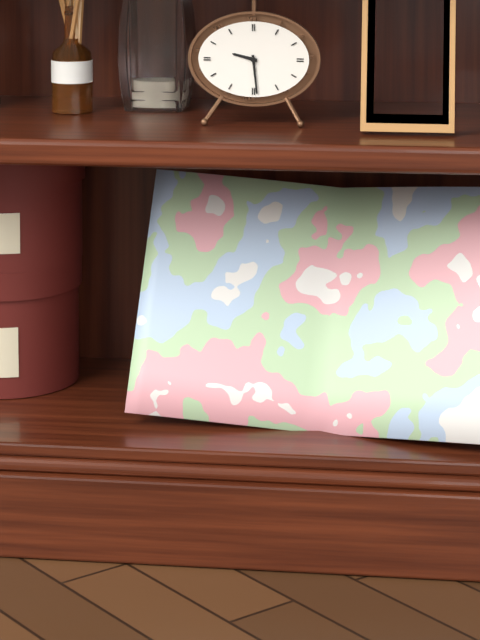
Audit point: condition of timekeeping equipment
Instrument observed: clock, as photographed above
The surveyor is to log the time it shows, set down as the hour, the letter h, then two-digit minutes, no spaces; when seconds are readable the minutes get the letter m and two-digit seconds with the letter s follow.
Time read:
9h29
